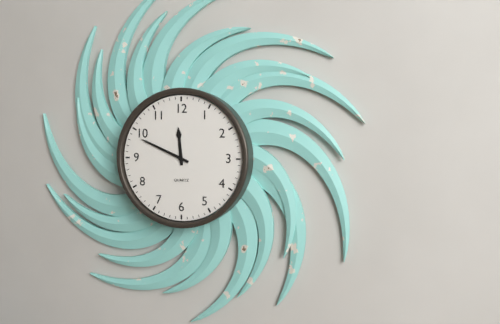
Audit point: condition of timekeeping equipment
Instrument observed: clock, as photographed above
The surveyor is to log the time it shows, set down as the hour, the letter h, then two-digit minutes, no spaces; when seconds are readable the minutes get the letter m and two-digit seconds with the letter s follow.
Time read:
11h49
